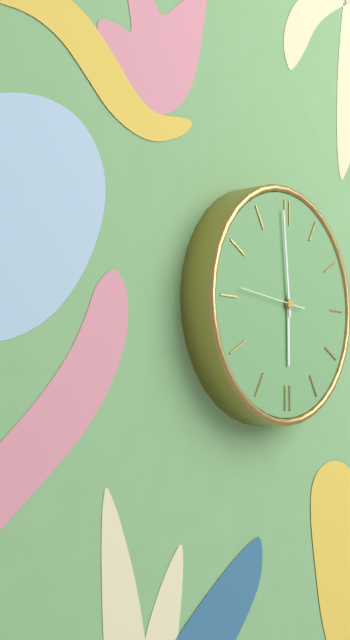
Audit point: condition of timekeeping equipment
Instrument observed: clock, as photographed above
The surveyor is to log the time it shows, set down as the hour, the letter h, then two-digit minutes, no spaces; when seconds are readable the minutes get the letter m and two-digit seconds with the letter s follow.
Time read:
5h59m46s
